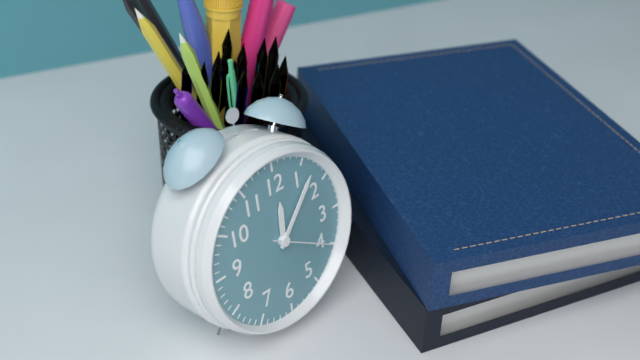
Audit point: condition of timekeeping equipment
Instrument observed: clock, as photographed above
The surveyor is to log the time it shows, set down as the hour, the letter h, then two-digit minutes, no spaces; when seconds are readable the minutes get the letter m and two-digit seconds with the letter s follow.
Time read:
12h07m20s
